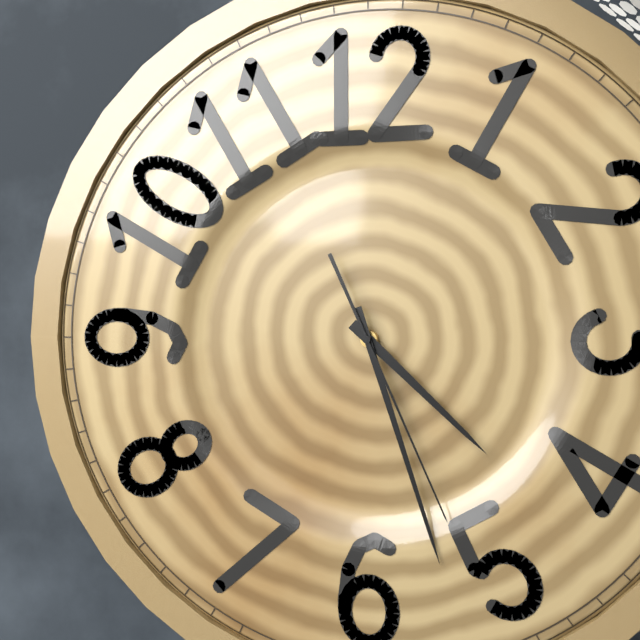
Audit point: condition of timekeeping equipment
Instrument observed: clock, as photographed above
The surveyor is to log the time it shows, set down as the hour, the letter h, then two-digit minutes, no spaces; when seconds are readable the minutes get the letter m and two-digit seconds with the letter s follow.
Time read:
4h27m26s
